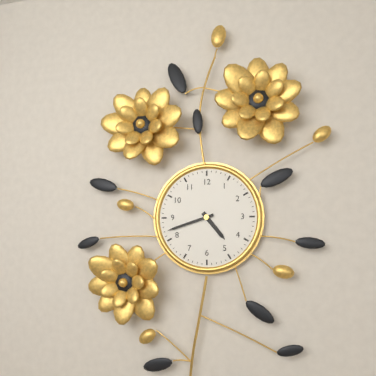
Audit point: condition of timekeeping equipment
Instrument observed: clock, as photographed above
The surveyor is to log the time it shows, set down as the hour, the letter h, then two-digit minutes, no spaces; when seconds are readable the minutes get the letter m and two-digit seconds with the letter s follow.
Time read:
4h42
